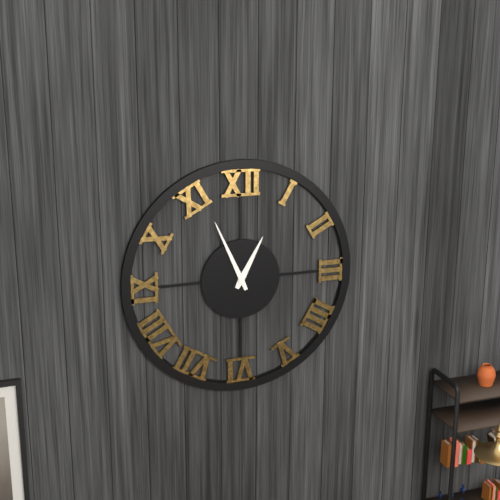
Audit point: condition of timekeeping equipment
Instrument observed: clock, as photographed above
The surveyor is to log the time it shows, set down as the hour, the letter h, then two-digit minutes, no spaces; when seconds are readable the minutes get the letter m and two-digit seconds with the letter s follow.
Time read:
12h56
